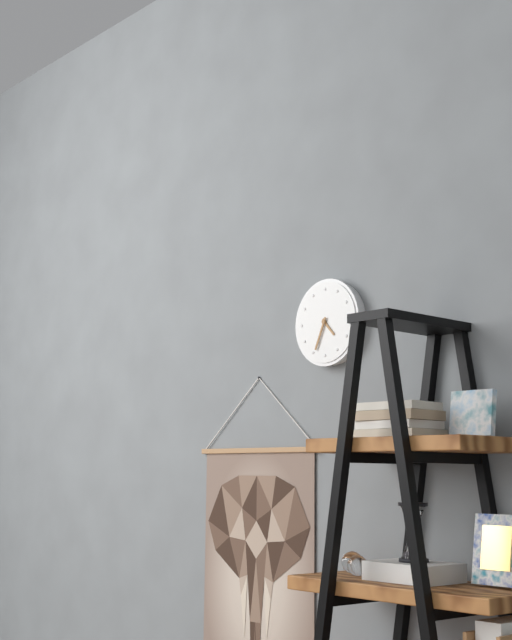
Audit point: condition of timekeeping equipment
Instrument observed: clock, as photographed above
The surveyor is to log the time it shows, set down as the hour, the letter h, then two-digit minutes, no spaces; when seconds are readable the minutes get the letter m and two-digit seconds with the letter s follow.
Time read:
4h34
